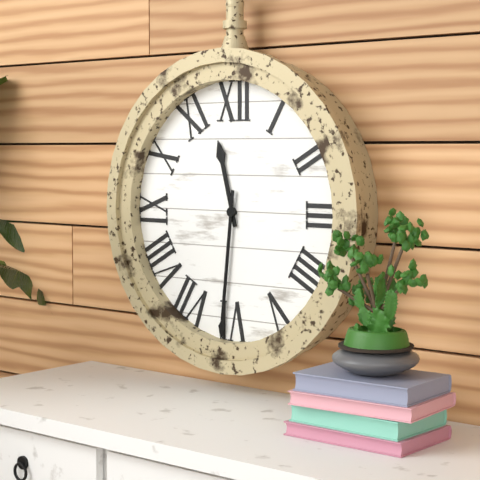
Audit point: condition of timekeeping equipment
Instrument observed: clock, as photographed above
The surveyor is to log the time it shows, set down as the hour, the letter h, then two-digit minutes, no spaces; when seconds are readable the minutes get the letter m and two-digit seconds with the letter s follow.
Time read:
11h31
